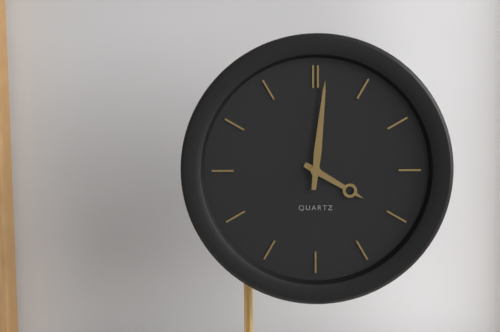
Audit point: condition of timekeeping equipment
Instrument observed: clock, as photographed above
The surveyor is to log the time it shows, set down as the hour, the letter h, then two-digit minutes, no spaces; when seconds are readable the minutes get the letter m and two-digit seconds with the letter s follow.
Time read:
4h01
